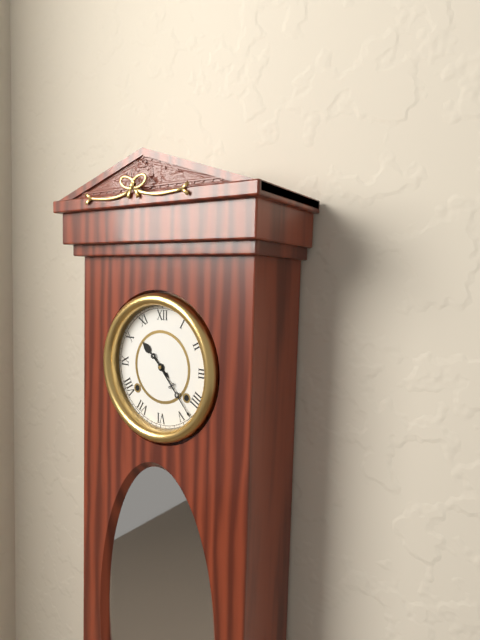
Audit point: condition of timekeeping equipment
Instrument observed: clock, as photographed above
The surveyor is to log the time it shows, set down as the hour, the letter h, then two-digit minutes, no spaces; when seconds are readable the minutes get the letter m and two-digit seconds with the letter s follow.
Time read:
10h23
